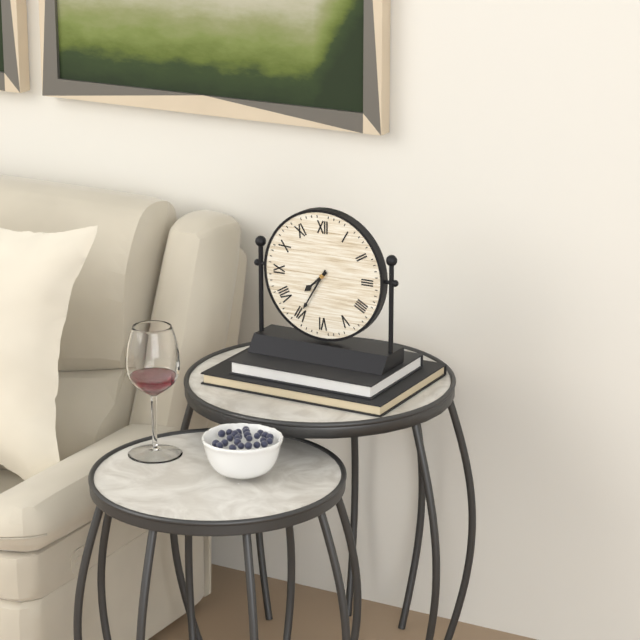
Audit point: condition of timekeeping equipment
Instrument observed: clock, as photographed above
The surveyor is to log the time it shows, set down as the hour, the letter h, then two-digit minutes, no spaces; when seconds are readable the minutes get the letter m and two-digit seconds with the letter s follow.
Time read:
7h35
